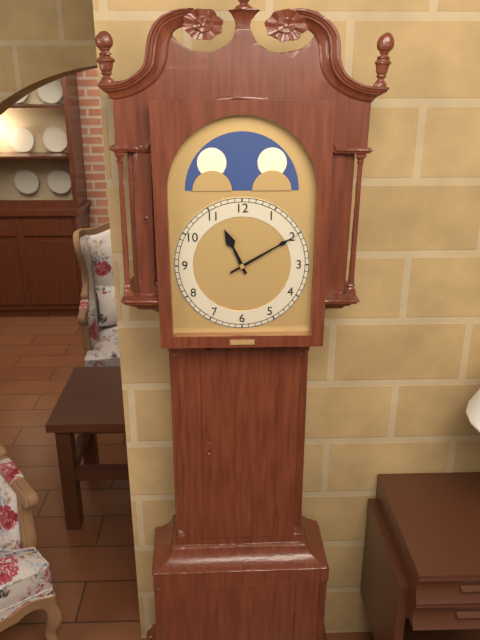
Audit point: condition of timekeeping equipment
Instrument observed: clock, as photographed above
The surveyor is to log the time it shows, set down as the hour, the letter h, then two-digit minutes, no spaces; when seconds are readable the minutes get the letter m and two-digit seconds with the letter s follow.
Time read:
11h10
